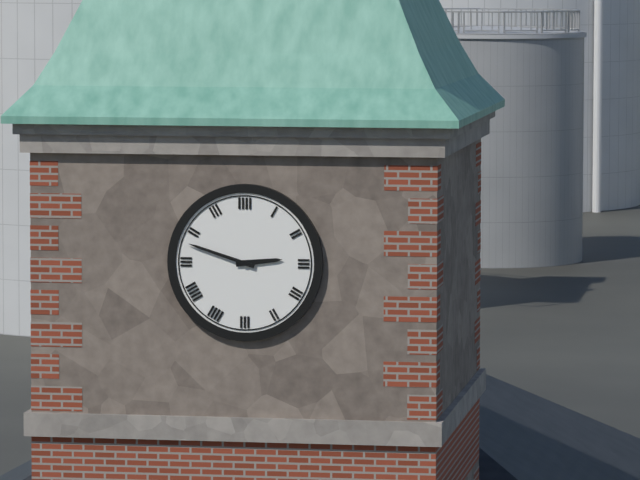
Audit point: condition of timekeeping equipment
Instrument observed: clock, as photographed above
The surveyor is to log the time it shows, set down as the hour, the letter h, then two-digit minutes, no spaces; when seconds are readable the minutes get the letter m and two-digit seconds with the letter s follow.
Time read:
2h48
